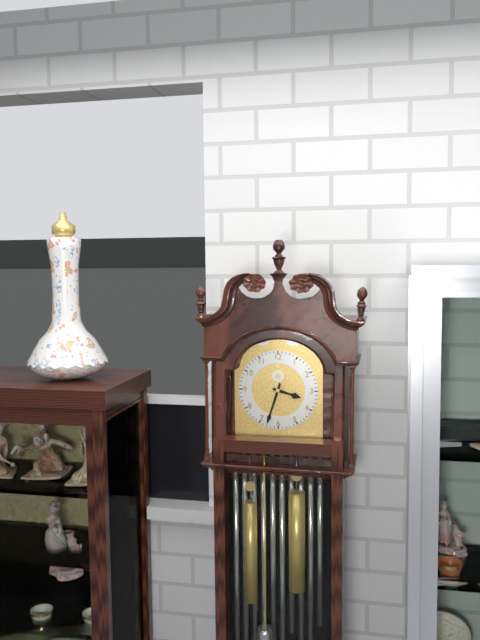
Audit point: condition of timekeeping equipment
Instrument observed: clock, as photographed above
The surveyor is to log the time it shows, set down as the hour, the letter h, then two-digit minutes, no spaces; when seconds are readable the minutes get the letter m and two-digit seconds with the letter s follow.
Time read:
3h33
